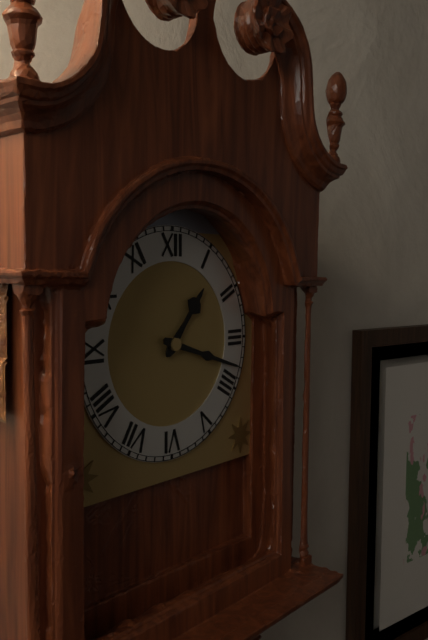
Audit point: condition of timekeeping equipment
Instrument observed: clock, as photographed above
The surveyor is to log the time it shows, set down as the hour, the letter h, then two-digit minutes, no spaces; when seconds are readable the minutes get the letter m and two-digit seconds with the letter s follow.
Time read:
1h18
